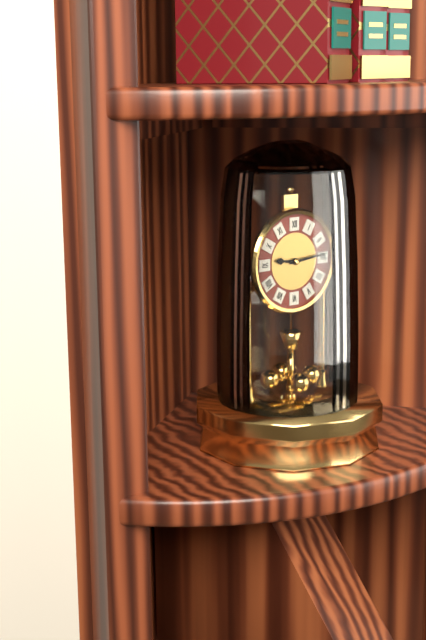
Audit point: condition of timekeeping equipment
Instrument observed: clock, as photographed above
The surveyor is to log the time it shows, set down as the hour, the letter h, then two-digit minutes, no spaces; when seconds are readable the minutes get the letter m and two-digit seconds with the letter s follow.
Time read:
9h14
